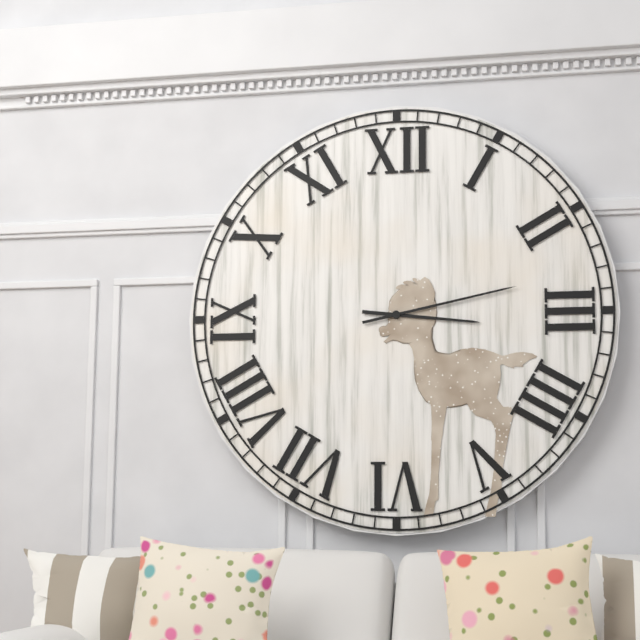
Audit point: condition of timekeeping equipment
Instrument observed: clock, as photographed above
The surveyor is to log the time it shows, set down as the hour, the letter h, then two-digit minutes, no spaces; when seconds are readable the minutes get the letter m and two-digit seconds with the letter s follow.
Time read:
3h13
